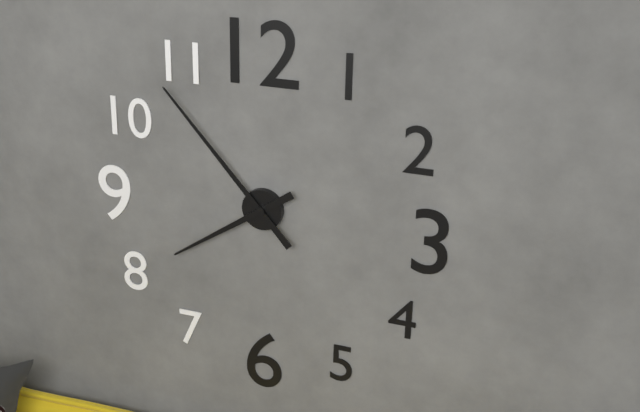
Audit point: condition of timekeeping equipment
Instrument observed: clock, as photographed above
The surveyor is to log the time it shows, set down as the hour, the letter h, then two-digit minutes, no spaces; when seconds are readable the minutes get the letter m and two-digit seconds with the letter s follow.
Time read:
7h53
